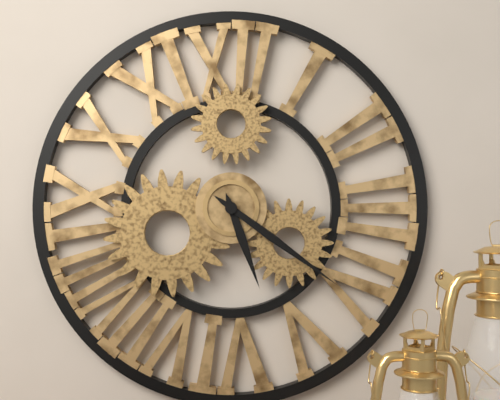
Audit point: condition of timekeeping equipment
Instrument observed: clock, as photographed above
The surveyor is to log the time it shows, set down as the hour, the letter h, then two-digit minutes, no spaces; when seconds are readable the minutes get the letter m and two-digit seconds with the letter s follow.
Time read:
5h21
